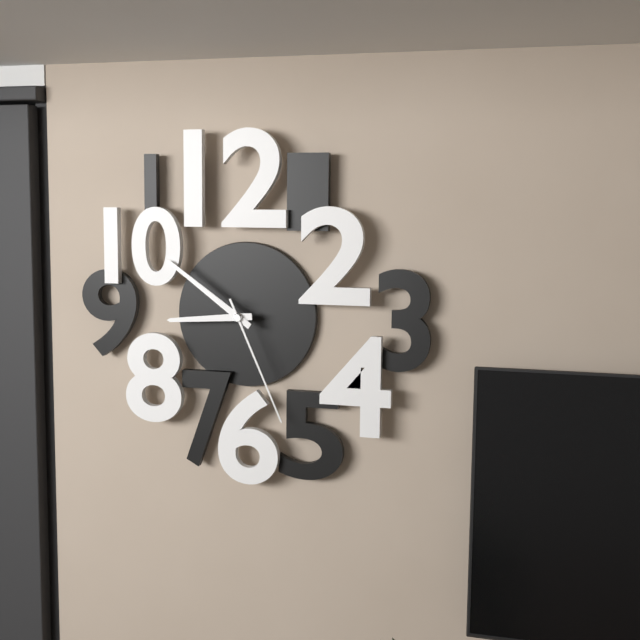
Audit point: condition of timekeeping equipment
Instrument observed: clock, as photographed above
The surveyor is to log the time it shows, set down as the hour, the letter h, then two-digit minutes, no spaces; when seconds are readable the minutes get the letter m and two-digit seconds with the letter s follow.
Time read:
8h51m26s
